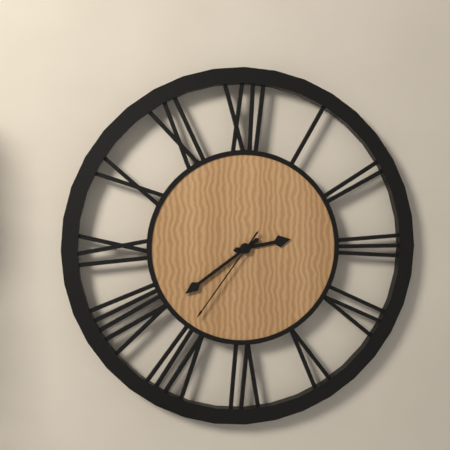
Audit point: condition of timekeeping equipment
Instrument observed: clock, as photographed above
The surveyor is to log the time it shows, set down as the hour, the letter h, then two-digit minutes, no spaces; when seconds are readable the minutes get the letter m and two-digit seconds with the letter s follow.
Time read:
2h39m36s
